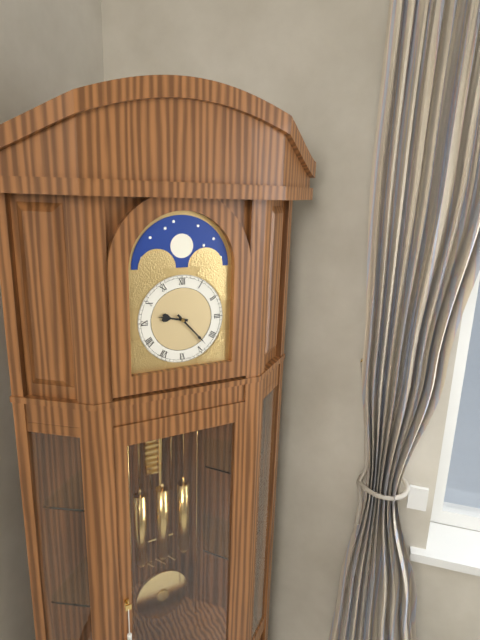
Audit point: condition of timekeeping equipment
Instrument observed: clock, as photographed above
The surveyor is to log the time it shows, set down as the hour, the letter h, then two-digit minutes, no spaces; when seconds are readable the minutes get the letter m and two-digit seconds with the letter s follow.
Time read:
9h23
